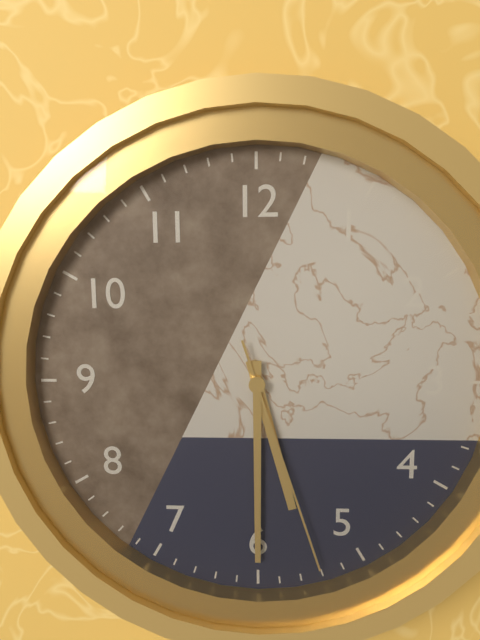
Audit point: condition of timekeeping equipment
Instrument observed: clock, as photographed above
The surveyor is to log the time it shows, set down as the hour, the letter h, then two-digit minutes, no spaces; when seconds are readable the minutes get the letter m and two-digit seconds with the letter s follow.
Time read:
5h30m27s
